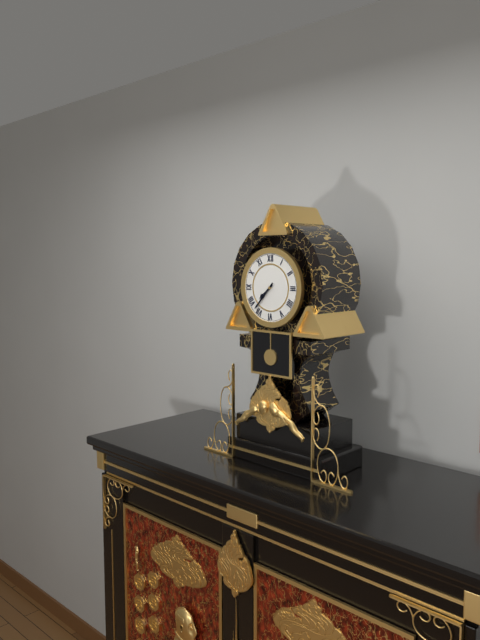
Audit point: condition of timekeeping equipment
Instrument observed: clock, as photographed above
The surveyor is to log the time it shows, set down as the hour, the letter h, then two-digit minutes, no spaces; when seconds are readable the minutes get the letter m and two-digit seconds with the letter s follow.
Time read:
7h37
